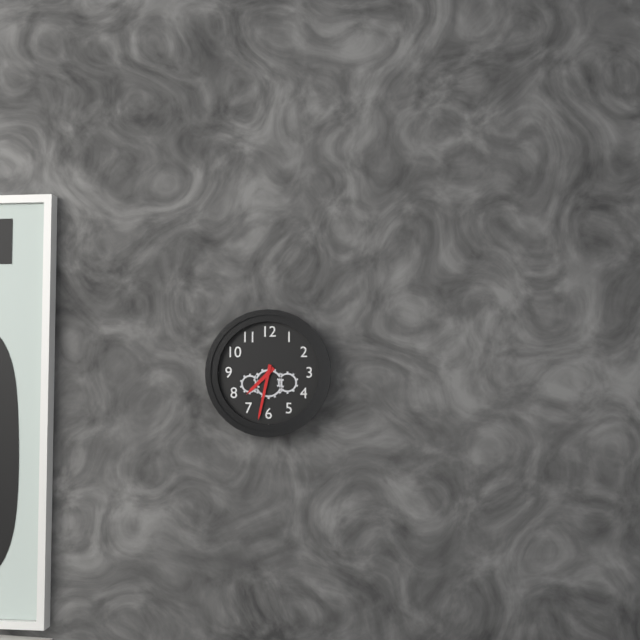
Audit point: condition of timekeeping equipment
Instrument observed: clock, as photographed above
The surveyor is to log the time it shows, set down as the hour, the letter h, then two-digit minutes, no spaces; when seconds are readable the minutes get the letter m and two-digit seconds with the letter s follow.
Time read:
7h32
